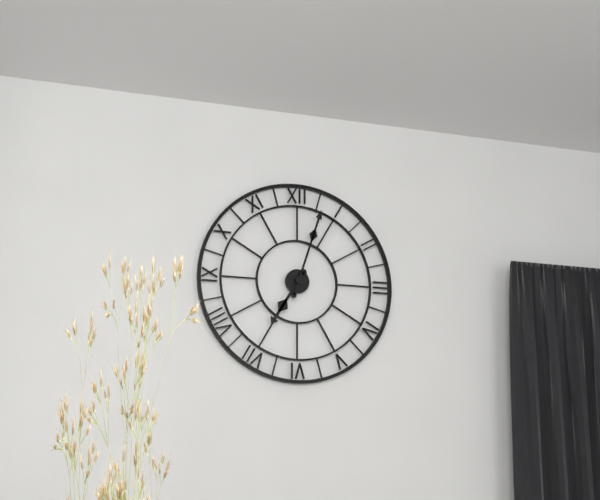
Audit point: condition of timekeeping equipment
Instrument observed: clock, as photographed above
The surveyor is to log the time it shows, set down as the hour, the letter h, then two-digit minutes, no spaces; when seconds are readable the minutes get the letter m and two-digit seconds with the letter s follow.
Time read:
7h03
